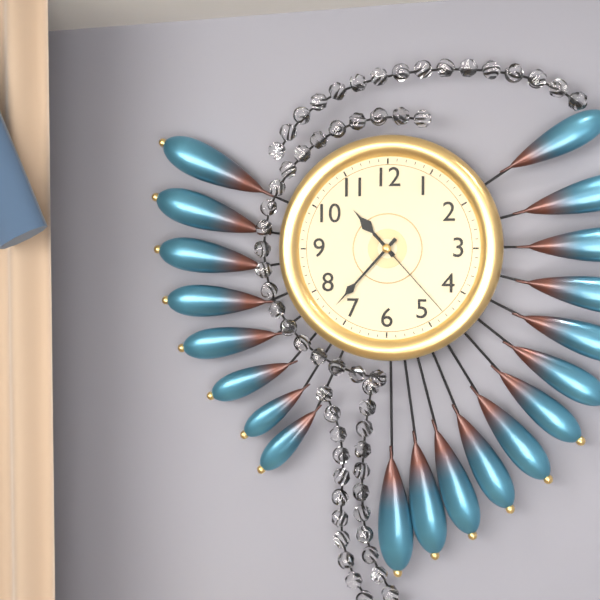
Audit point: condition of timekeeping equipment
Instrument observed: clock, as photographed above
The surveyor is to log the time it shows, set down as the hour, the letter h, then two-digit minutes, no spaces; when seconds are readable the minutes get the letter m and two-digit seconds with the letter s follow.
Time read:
10h37m23s
